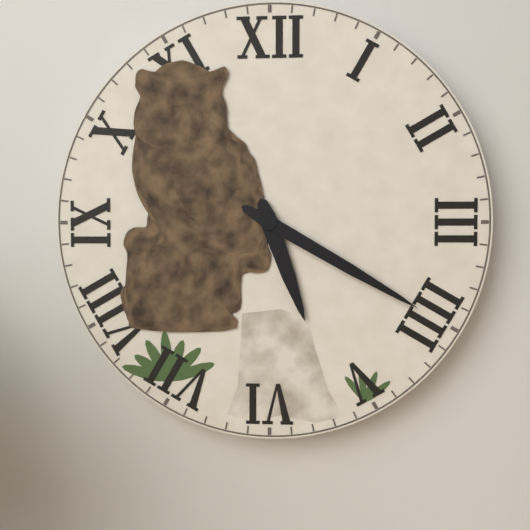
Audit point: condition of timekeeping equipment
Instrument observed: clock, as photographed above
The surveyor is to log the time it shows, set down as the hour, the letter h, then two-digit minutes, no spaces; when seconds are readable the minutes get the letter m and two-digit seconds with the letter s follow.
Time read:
5h20
